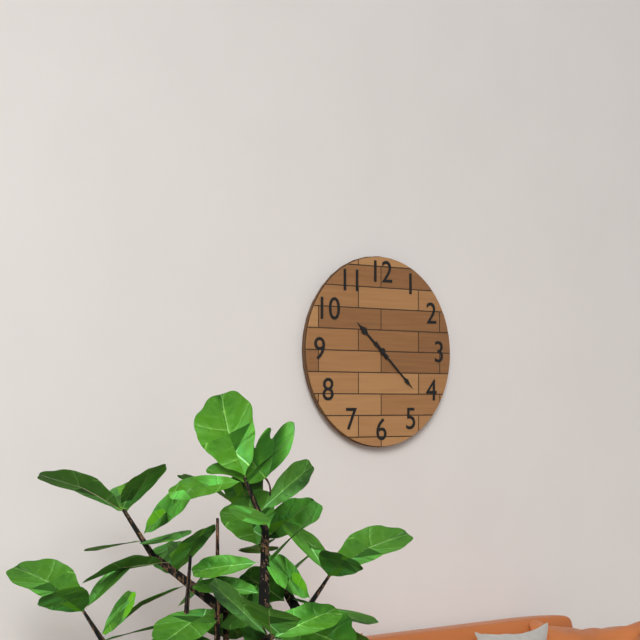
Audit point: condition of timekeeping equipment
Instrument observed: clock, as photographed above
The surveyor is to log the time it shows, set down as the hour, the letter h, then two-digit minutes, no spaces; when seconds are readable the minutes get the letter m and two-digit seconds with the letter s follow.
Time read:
10h22
